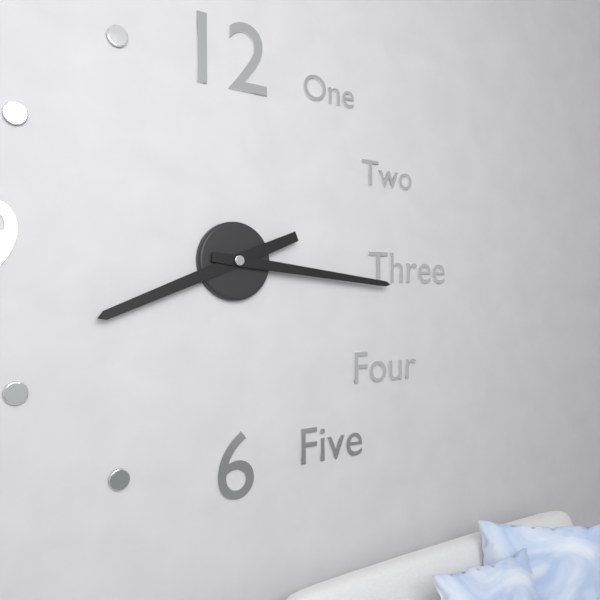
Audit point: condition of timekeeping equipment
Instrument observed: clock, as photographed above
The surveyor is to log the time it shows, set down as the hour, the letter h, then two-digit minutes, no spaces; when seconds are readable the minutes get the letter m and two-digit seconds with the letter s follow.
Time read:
8h16
